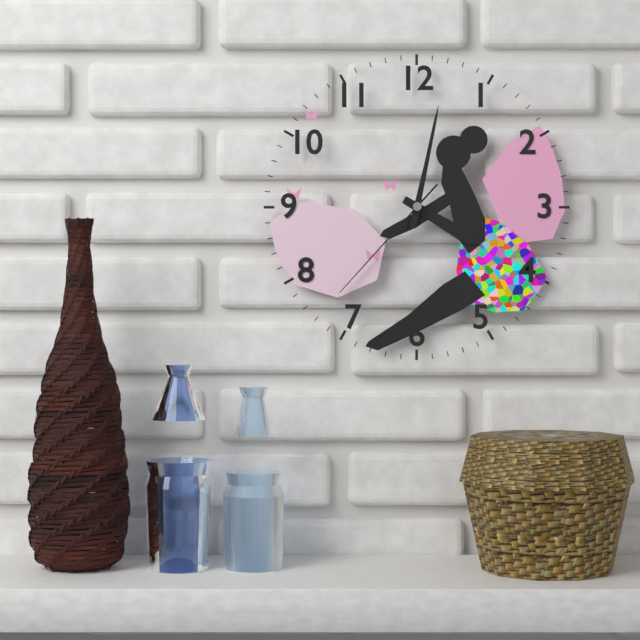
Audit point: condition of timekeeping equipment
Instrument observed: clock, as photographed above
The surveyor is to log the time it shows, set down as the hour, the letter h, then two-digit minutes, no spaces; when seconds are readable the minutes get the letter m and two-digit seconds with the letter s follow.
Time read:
4h02m37s
